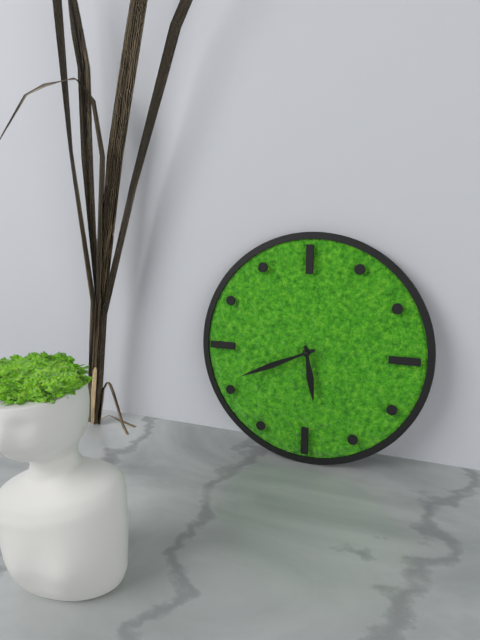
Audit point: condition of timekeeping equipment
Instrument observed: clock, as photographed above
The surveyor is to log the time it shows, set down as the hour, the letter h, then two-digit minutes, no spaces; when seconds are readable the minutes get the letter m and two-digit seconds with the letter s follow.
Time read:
5h41
